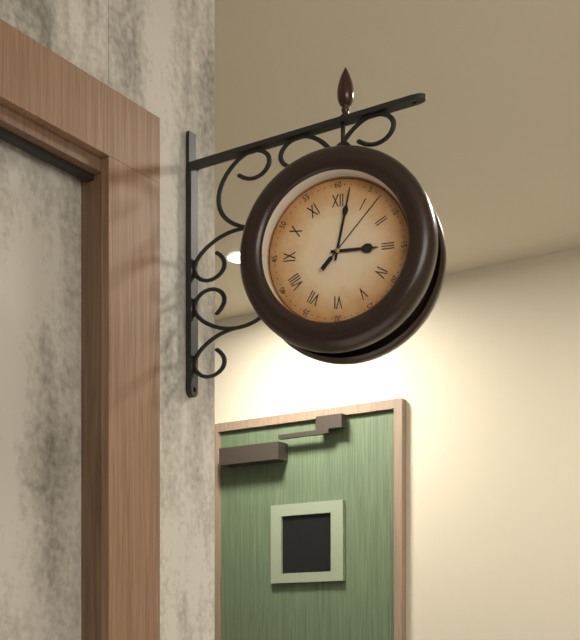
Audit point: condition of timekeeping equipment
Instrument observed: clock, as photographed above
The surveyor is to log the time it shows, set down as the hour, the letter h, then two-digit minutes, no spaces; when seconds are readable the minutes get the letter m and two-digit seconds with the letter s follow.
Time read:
3h02m07s
